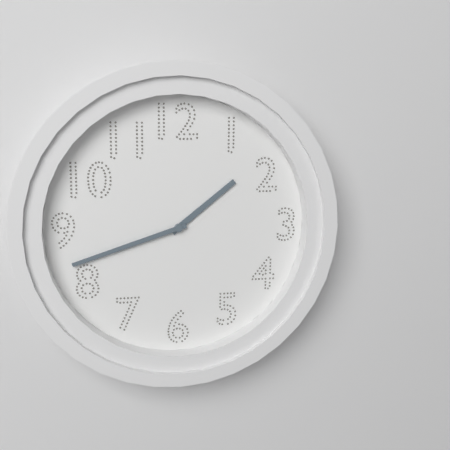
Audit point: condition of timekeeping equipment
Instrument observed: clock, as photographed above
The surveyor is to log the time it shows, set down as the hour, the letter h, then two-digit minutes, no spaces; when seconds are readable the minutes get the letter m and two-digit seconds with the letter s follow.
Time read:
1h42
